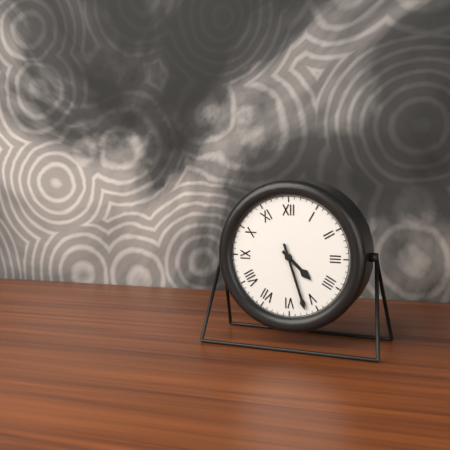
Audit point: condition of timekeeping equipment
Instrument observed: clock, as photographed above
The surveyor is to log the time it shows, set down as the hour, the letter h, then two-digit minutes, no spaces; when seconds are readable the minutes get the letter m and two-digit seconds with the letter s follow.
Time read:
4h27
